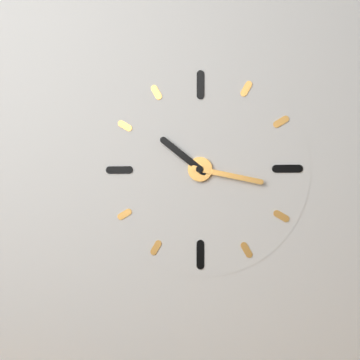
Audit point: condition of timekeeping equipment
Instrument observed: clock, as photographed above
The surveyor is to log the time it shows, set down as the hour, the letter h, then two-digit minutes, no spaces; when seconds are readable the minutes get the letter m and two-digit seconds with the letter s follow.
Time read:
10h17
